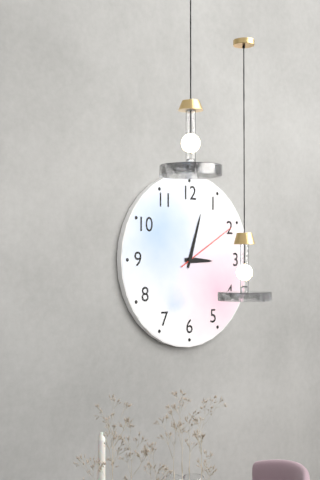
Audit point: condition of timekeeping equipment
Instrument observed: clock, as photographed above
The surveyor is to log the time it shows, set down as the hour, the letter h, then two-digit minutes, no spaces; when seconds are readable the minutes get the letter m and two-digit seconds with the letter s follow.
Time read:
3h03m10s
